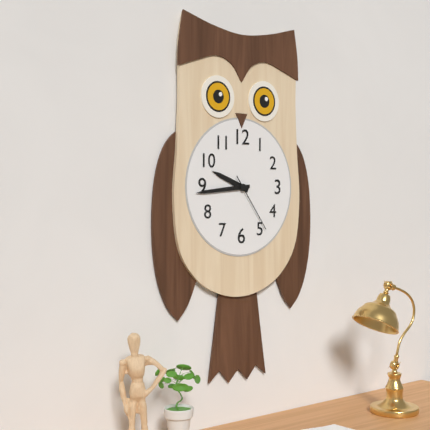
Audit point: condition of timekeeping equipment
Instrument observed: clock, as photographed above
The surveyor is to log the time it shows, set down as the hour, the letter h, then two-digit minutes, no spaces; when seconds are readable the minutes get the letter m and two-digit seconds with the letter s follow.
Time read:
9h44m24s
